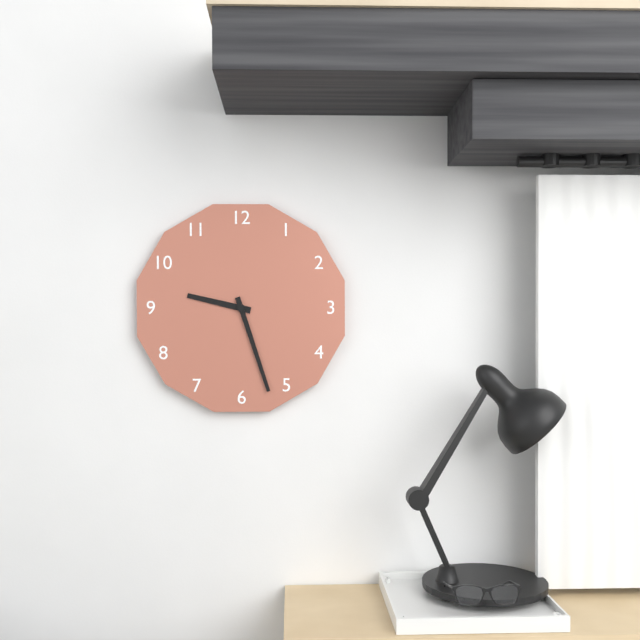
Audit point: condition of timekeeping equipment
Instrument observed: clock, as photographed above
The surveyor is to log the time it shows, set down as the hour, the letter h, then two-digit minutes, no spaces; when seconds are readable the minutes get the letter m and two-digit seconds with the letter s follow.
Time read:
9h27
